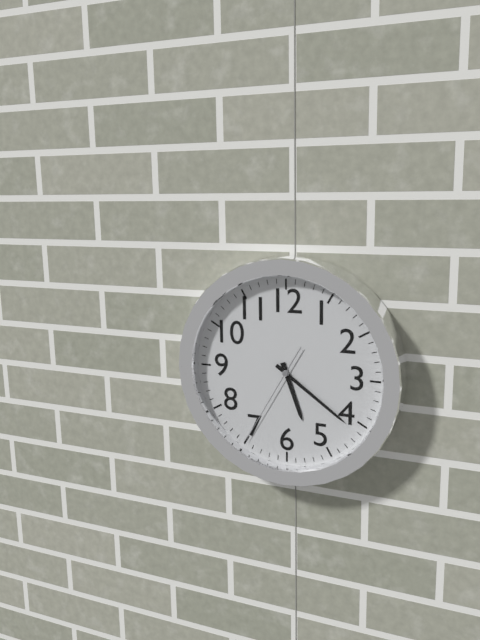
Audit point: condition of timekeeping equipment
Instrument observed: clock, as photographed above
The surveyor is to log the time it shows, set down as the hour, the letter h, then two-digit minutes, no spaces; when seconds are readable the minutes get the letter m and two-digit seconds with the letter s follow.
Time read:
5h21m35s
